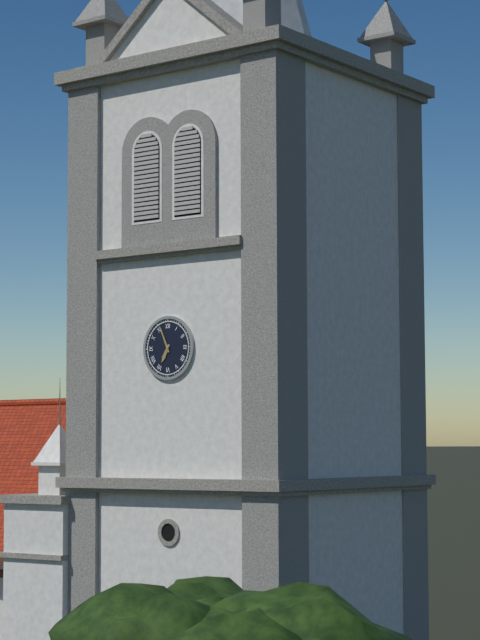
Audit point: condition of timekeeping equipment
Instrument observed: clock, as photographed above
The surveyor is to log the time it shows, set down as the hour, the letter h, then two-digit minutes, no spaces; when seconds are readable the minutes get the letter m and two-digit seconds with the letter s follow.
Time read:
6h56
